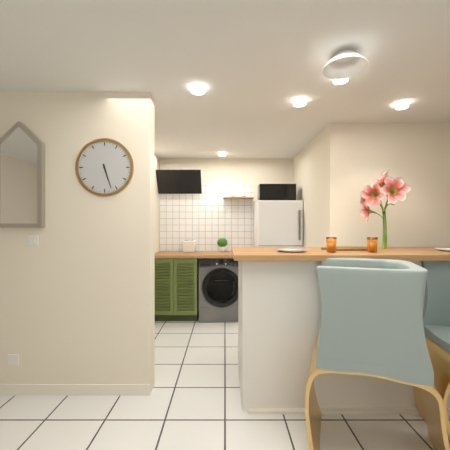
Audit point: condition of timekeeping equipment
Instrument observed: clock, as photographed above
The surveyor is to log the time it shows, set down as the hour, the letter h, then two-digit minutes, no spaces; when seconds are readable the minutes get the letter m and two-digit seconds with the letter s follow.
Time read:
5h27
